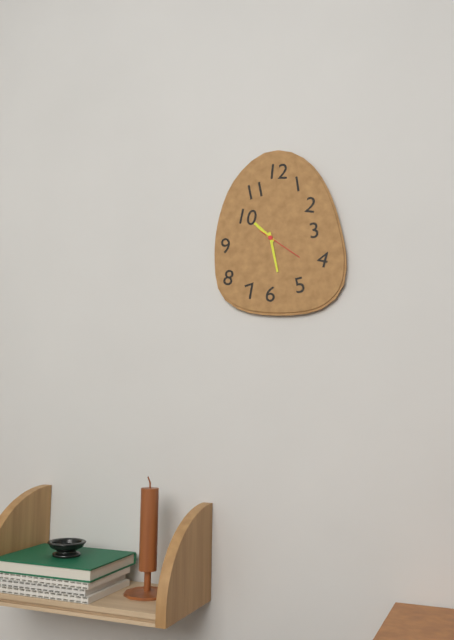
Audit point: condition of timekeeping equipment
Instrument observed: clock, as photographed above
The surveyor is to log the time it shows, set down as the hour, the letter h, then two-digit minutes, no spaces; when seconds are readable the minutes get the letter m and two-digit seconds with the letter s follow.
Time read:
10h28
